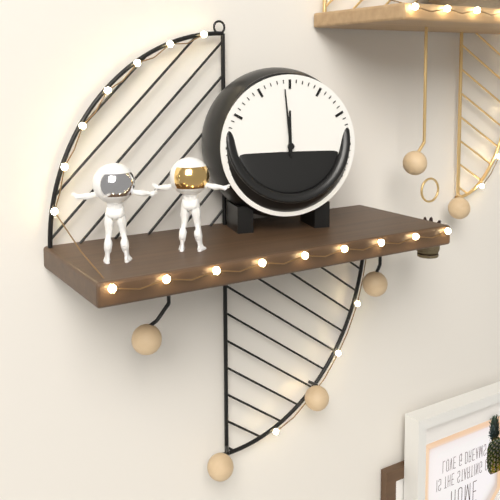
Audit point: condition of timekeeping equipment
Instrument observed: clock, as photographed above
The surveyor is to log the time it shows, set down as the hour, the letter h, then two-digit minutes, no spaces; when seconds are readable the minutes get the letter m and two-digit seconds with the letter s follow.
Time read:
11h59
